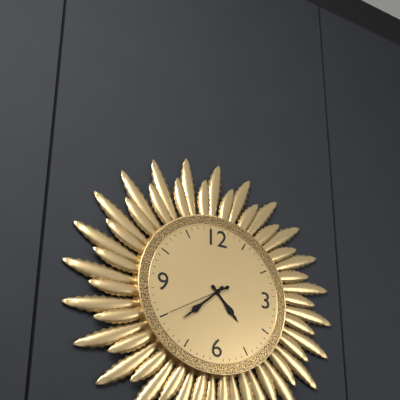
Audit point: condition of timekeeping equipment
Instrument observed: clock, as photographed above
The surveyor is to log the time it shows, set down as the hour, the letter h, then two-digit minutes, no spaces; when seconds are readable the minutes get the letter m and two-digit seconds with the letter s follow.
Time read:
4h38m40s
